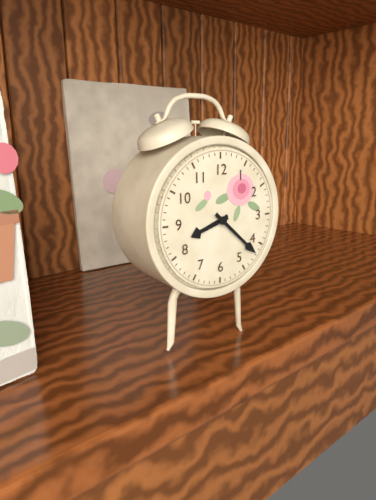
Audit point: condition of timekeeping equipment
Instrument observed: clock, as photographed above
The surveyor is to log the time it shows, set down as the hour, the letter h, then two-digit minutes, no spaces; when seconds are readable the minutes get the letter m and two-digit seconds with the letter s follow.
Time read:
8h22
